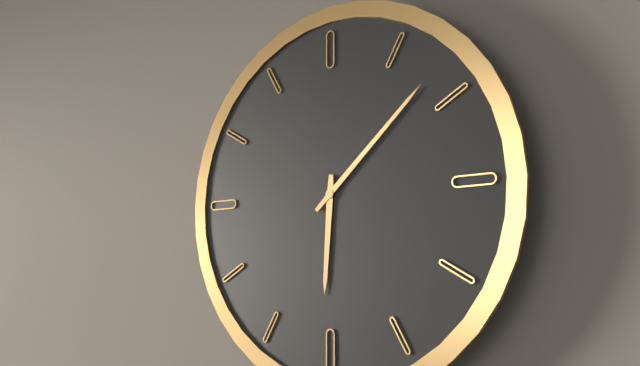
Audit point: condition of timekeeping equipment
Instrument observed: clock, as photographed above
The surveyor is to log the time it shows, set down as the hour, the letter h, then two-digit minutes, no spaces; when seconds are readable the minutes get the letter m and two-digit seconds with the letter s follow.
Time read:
6h08
